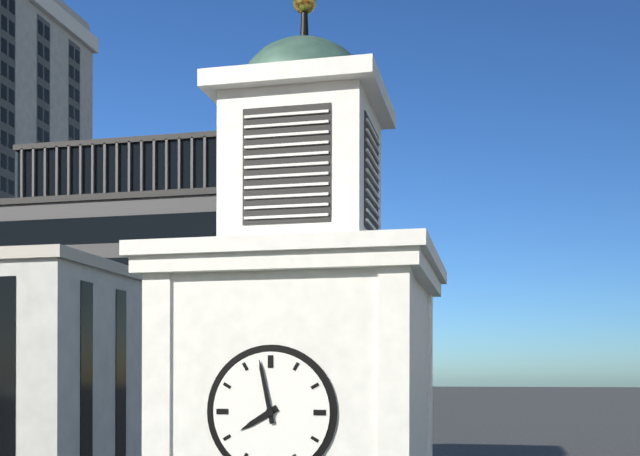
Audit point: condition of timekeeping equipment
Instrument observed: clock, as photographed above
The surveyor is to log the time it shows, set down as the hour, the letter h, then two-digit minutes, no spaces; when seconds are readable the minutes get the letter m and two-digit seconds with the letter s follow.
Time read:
7h58
